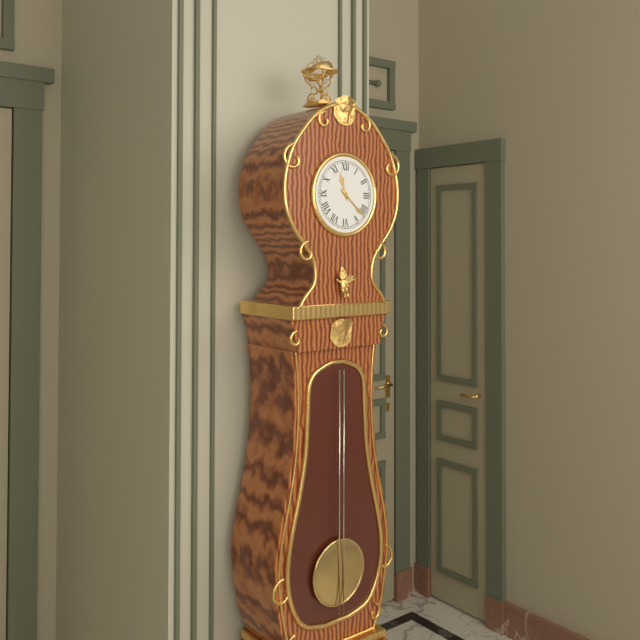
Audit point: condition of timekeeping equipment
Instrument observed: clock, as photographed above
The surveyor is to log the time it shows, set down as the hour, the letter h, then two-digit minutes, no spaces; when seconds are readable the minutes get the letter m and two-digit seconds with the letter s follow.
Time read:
11h22
